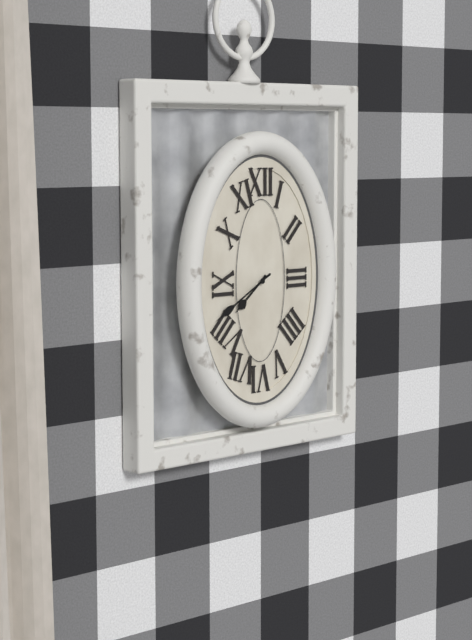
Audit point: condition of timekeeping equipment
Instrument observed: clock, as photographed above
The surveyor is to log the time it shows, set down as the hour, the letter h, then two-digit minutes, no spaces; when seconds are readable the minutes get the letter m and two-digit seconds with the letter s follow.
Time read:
7h40
